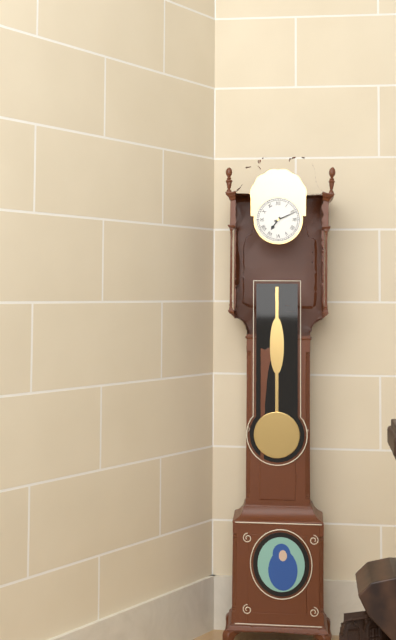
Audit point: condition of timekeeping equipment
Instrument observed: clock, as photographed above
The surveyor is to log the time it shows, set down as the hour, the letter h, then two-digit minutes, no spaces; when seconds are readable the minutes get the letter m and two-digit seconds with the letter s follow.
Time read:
7h11
